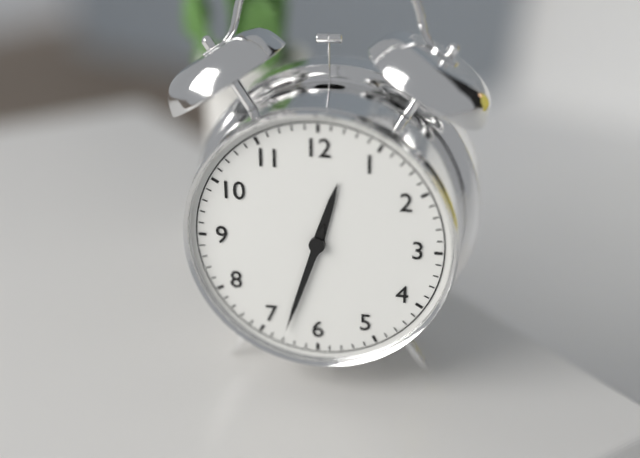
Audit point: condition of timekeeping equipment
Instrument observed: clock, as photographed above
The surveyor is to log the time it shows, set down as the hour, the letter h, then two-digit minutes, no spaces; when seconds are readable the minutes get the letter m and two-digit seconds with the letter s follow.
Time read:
12h33
